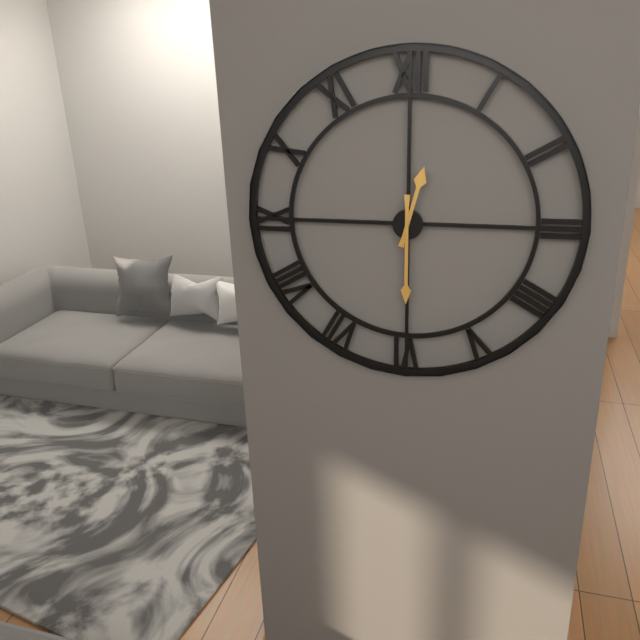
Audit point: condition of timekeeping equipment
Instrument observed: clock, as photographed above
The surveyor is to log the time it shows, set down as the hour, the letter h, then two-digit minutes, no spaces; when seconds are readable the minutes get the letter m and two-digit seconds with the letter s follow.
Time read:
12h30
